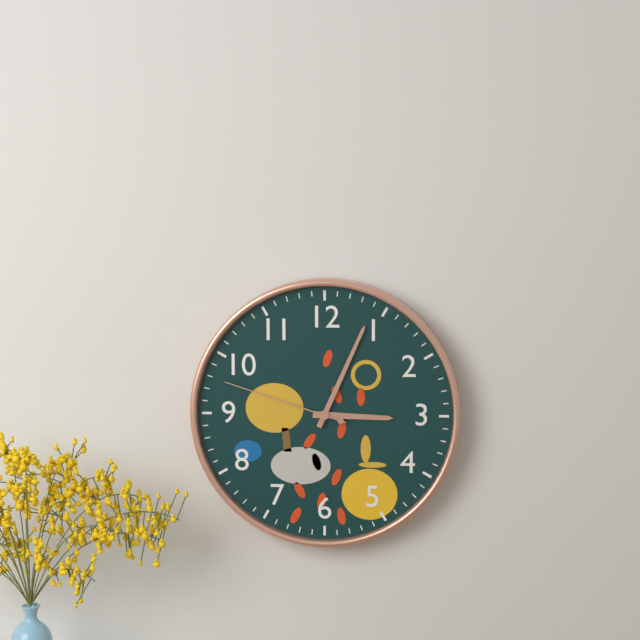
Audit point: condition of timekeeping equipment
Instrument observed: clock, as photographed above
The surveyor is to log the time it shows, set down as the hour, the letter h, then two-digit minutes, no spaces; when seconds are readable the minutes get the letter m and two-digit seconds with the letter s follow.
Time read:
3h04m48s
